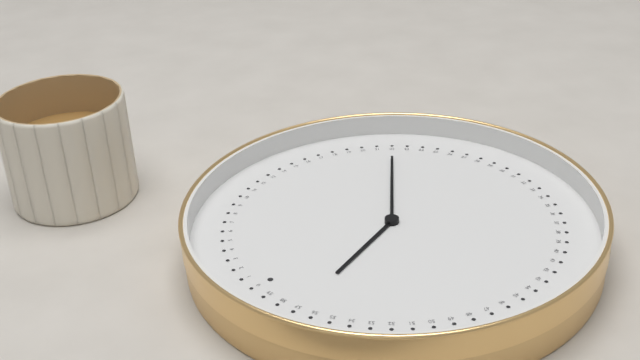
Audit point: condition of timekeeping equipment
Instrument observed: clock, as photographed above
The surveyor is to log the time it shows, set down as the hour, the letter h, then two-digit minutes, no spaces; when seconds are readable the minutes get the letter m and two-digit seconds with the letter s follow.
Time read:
11h22
